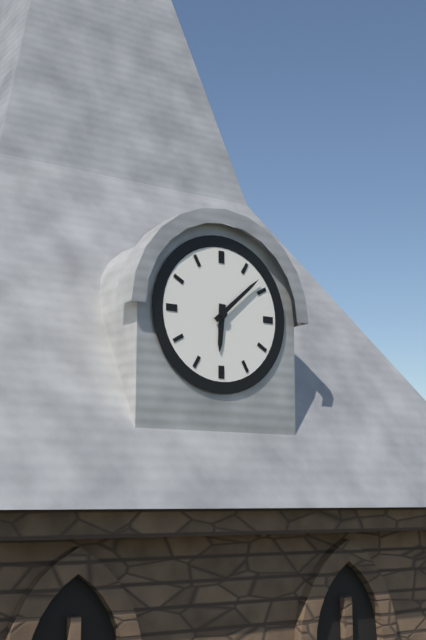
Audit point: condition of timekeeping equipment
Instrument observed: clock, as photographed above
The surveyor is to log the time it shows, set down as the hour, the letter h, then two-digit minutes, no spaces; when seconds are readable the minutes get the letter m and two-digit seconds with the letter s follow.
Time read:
6h08
